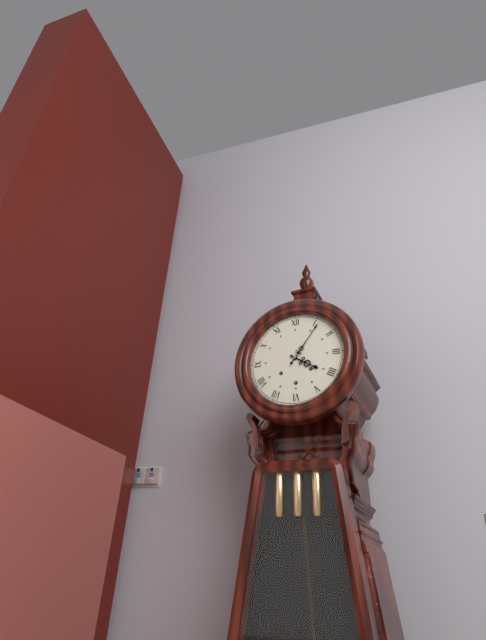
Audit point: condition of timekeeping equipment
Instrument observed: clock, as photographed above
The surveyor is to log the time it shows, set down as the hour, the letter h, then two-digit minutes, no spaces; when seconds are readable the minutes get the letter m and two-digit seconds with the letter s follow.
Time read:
4h06
